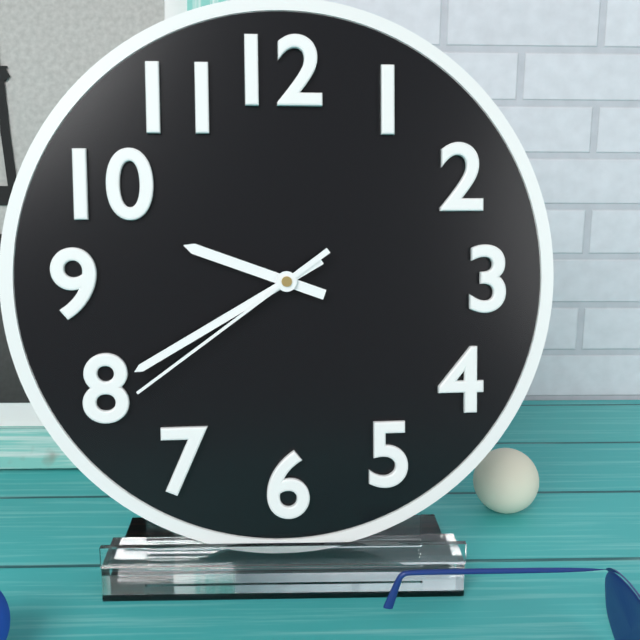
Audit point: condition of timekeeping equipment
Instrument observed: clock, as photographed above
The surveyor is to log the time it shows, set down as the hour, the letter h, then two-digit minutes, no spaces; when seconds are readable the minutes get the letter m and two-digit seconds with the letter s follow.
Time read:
9h40m39s
